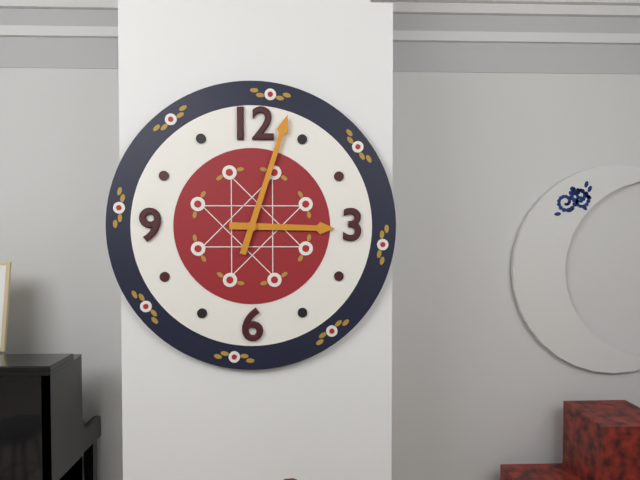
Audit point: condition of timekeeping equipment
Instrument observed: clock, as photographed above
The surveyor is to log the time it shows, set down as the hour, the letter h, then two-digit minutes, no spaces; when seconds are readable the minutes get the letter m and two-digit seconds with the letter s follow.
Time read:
3h03
